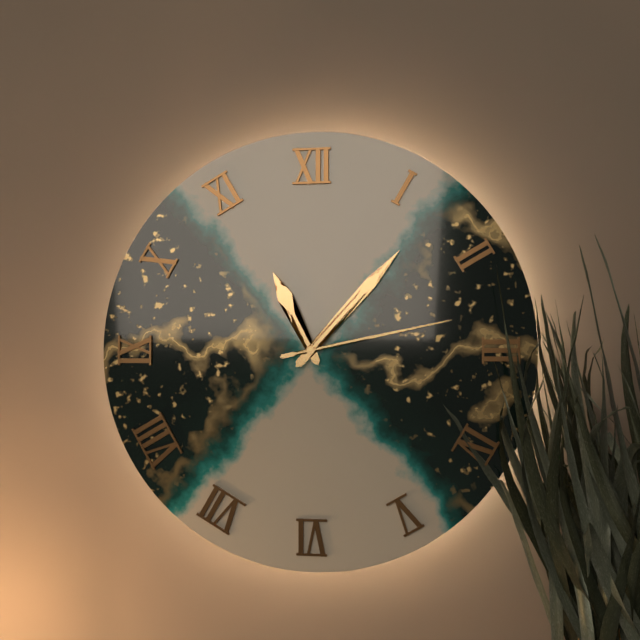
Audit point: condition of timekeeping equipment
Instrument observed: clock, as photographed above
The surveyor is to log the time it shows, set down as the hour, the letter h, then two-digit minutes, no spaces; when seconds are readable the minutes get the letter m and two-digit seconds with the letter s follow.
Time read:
11h07m13s
